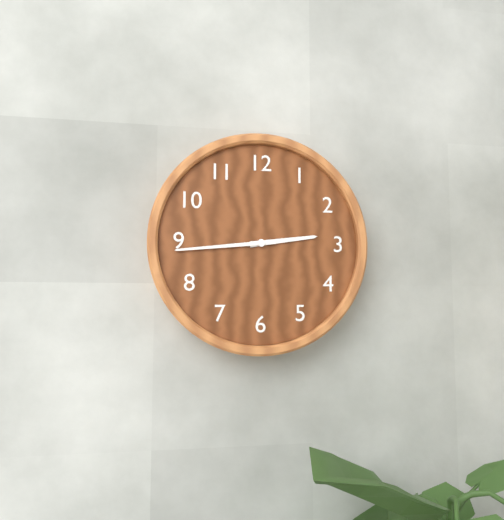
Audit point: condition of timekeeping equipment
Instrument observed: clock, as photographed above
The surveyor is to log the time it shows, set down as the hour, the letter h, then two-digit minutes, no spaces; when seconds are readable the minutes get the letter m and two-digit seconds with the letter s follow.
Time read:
2h44
